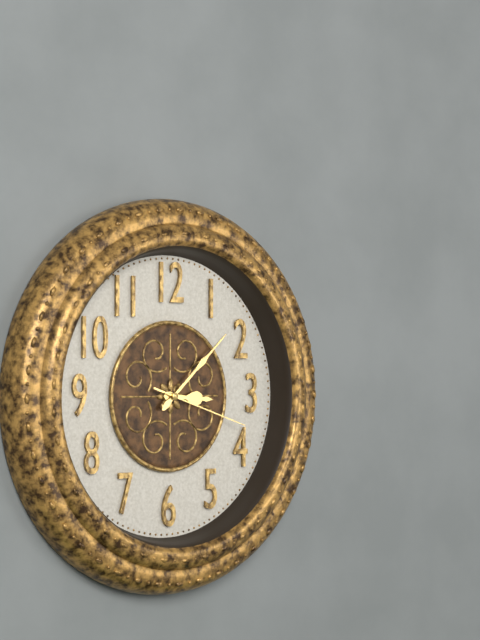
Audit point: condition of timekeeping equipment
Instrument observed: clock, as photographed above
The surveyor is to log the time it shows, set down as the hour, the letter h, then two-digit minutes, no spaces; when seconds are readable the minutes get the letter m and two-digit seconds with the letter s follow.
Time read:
3h08m18s
